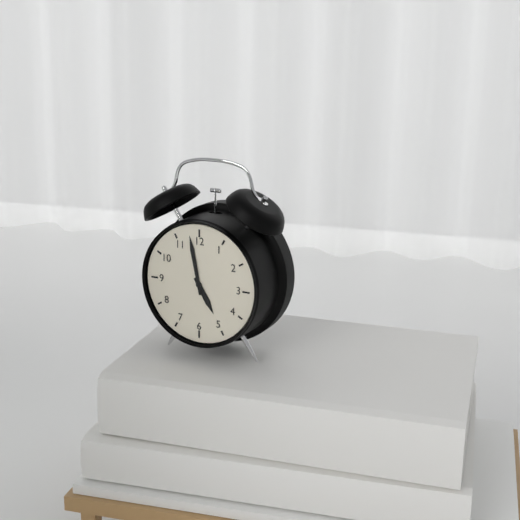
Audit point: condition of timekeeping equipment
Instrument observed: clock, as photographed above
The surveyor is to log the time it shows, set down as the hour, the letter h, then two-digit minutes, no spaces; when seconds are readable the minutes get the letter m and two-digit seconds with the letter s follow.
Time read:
4h58
